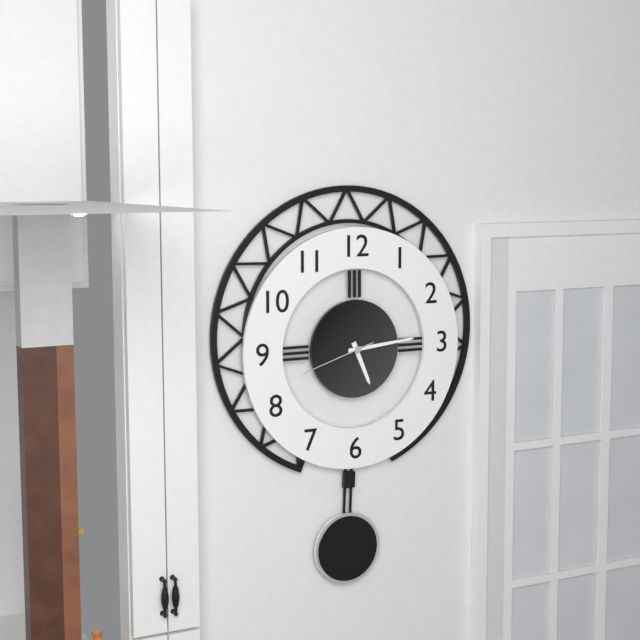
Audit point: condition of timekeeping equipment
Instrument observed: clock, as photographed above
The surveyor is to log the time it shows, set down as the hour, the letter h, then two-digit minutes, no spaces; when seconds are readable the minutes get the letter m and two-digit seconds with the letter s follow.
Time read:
5h14m42s
